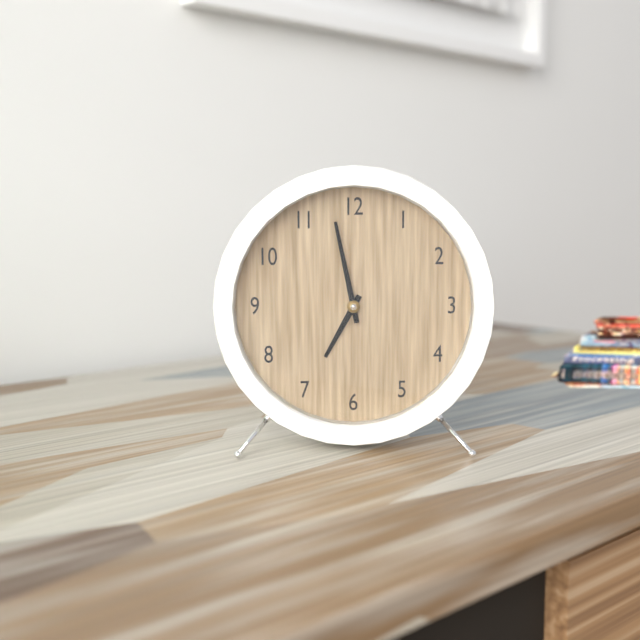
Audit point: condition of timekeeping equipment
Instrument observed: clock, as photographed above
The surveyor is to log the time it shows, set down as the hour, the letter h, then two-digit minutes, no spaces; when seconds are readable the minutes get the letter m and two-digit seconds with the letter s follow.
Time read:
6h58
